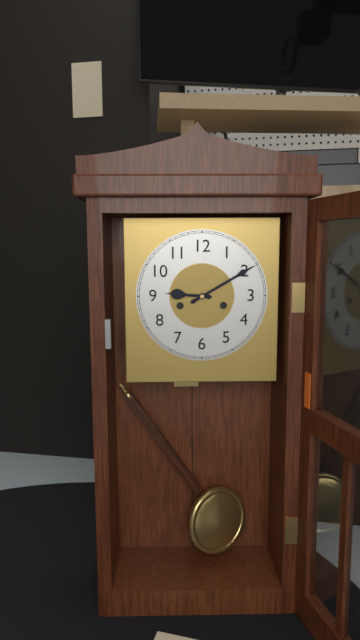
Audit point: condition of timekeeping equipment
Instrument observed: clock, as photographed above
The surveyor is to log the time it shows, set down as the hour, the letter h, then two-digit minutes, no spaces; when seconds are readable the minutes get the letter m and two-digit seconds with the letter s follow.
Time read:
9h10
